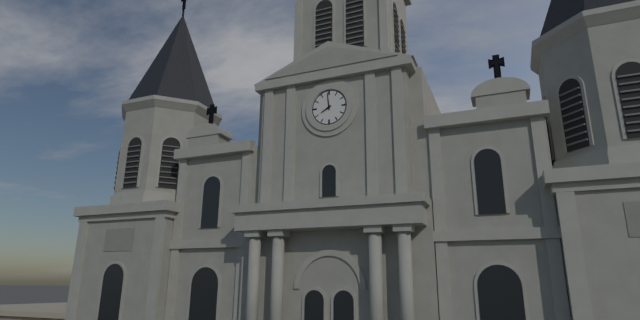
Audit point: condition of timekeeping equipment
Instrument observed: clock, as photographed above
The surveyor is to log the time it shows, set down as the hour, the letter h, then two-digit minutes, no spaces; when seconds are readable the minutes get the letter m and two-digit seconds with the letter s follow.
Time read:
7h59
